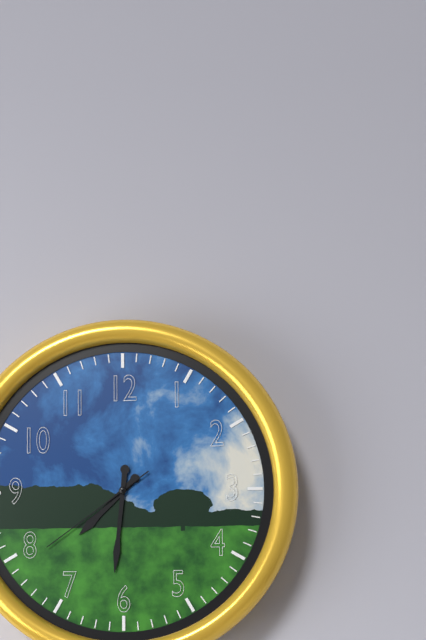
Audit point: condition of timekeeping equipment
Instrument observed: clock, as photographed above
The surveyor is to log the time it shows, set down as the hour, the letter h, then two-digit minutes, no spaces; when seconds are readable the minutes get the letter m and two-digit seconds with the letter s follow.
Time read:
7h31m39s
